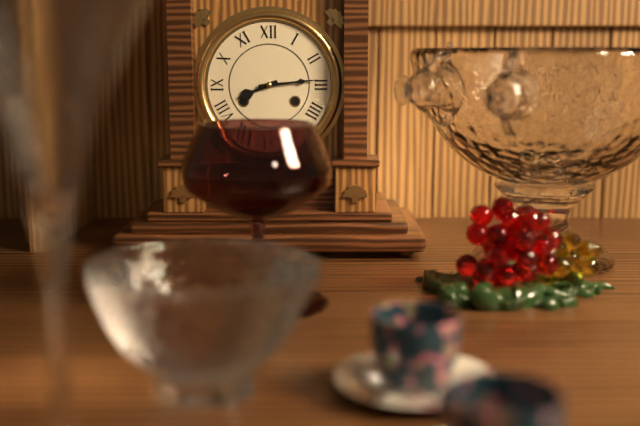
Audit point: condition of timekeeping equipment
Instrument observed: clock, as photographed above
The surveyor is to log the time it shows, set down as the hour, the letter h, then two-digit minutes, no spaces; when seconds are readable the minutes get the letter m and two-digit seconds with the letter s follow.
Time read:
8h14
